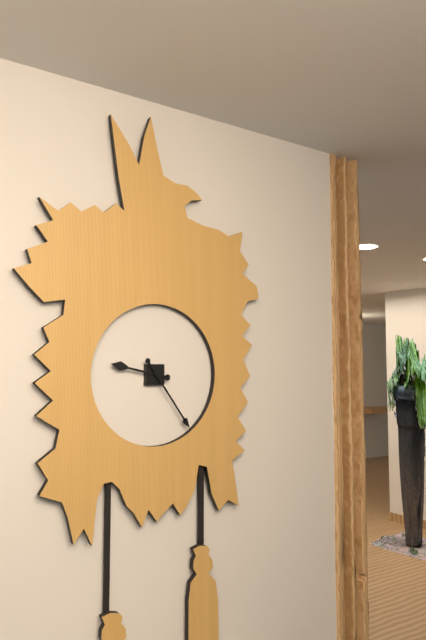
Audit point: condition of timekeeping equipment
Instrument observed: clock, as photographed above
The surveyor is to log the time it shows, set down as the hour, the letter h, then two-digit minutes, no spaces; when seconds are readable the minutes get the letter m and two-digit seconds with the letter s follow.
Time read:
9h24
